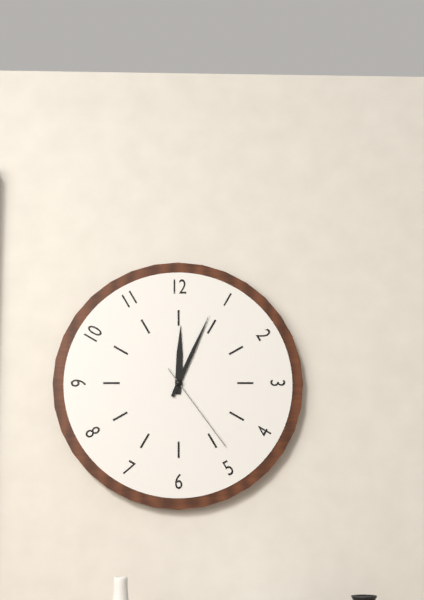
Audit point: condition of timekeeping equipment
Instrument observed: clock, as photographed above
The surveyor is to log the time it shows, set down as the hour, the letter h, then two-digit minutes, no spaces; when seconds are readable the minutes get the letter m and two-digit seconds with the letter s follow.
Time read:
12h04m24s
